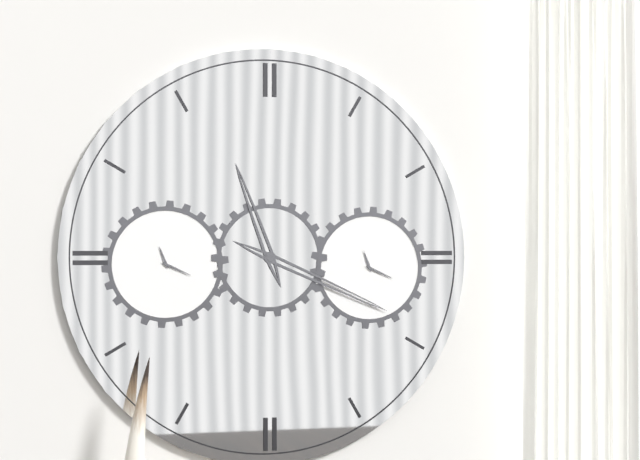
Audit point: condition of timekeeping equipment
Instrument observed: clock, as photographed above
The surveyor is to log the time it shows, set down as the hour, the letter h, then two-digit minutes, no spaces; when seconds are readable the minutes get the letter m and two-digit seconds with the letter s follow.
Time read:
11h19
